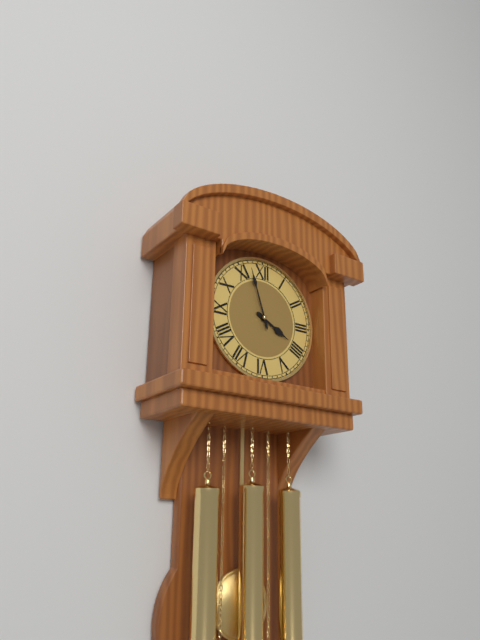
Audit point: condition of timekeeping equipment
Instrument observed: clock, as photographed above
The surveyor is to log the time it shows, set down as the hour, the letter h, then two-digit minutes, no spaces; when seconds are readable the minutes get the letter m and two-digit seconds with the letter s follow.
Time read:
3h57
